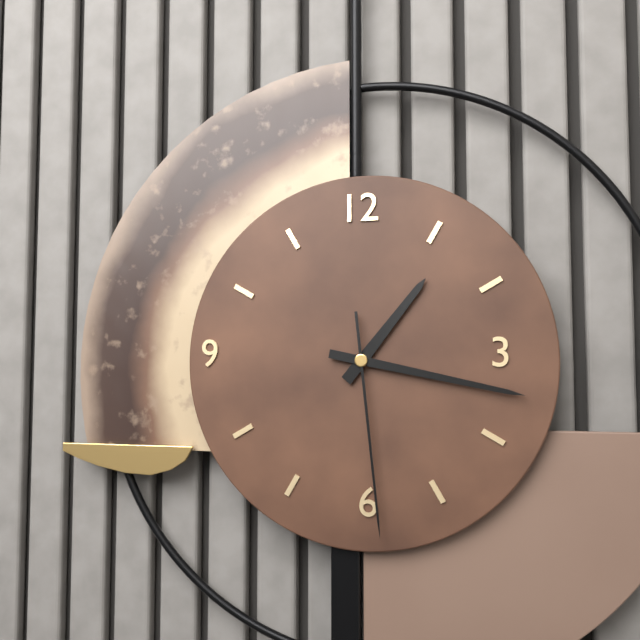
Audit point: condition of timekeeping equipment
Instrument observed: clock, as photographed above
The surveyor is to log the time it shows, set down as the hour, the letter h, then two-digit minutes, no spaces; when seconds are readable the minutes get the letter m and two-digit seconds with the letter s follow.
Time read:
1h17m29s
